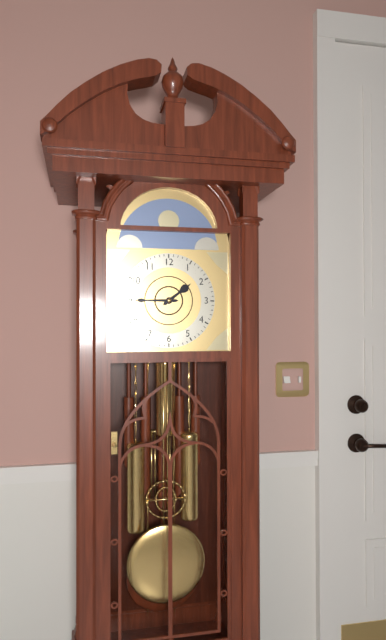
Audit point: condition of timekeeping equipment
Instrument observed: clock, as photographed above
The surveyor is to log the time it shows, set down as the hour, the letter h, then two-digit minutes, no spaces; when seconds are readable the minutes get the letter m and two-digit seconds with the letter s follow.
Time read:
1h45
